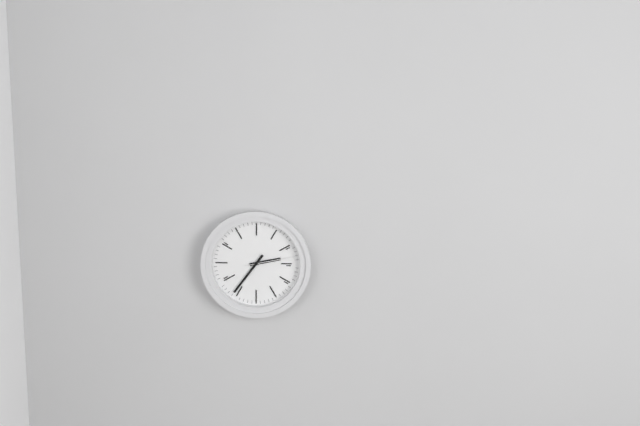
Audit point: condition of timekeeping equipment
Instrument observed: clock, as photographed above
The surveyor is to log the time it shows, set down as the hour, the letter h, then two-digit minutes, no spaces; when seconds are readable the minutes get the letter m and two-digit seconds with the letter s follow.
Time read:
2h36
